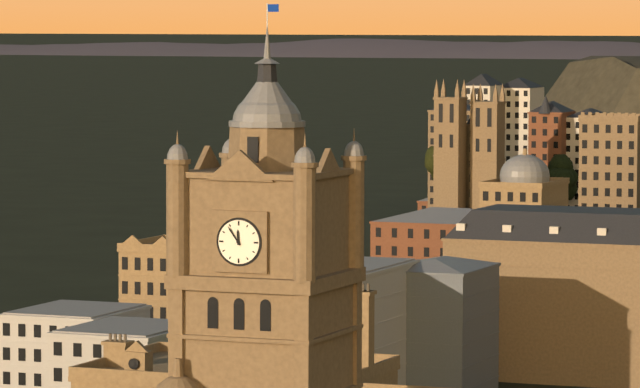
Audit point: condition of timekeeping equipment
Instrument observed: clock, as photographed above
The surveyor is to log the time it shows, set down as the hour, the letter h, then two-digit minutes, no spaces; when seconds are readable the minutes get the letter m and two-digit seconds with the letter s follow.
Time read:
11h54
